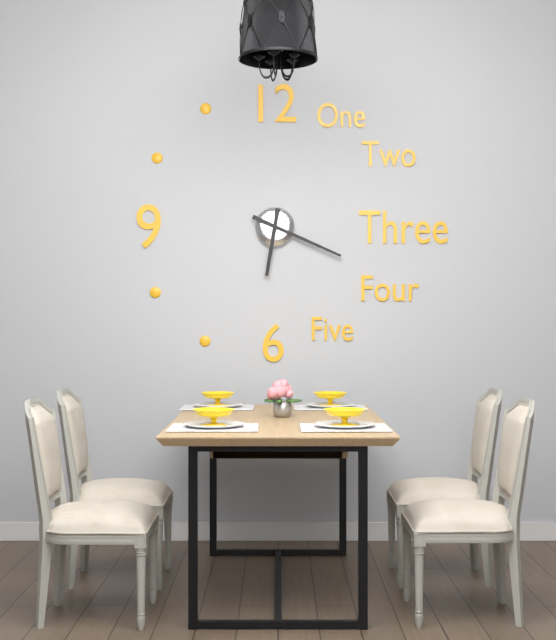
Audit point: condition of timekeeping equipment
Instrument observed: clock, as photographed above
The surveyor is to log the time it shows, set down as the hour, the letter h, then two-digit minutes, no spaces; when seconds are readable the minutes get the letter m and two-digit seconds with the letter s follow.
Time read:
6h19
